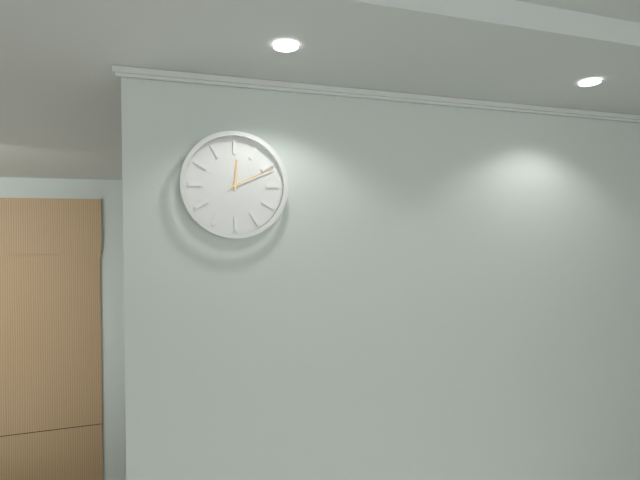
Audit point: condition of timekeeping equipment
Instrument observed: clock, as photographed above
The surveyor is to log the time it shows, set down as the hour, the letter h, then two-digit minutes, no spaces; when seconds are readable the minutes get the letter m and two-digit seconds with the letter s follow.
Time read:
12h11
